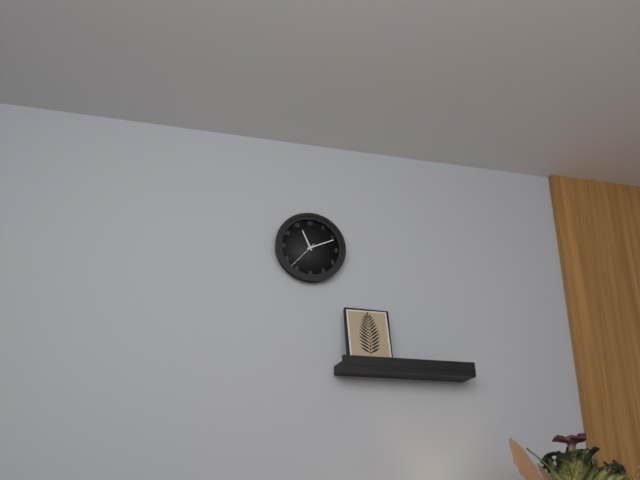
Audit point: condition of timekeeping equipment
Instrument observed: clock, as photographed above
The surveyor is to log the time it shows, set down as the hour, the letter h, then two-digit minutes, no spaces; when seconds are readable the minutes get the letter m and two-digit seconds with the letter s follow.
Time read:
11h11
